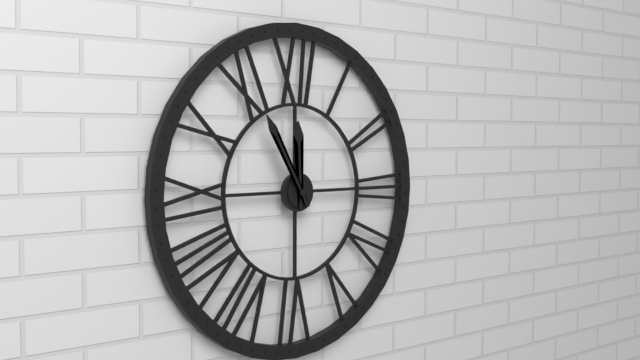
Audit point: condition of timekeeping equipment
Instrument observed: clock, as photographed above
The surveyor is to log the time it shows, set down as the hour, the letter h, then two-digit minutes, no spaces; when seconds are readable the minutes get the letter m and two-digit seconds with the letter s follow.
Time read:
11h55
